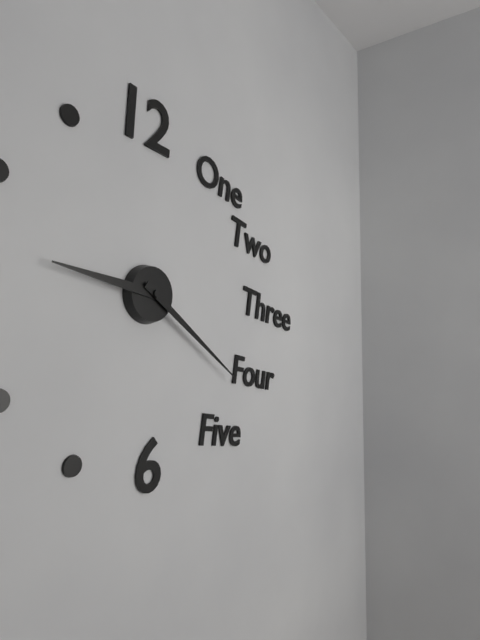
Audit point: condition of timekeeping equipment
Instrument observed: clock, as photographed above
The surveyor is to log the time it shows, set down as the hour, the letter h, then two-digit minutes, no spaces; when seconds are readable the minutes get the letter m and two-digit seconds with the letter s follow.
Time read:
9h21
